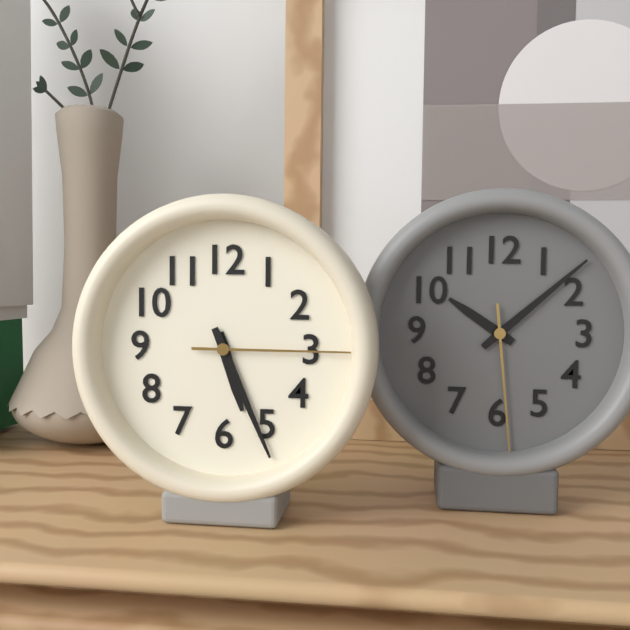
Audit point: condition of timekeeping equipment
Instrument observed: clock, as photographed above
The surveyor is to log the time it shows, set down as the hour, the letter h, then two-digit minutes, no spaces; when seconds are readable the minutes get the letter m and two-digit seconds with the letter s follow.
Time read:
5h26m15s
